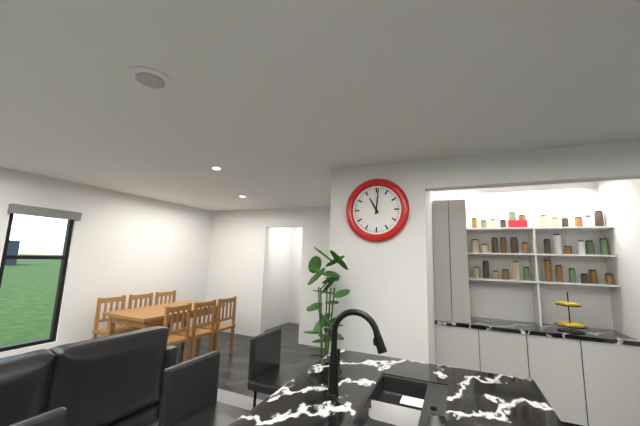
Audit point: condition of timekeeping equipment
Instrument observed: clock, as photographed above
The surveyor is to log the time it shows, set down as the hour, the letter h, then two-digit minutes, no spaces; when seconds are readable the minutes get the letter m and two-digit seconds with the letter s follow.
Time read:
11h01
